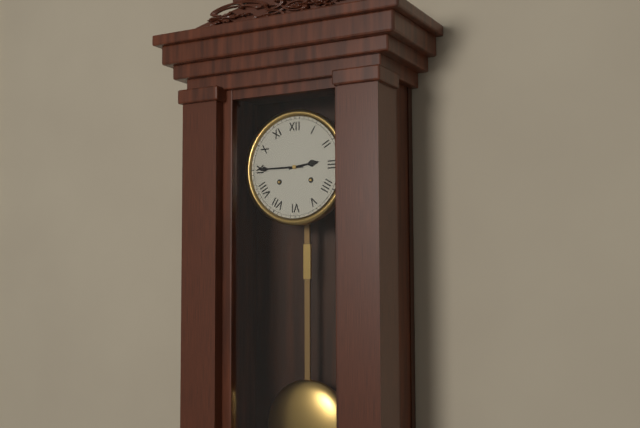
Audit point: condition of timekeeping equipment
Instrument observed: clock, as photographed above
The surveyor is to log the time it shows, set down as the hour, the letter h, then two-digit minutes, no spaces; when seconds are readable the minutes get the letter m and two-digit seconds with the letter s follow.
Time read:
2h45
